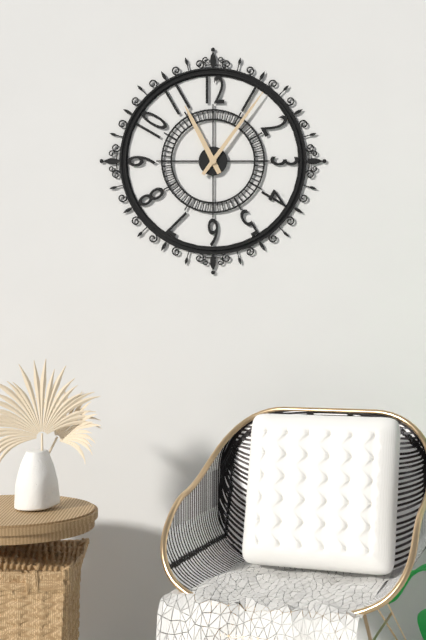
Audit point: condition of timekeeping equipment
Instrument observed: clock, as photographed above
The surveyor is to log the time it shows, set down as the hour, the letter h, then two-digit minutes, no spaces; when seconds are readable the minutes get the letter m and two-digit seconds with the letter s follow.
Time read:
11h06
